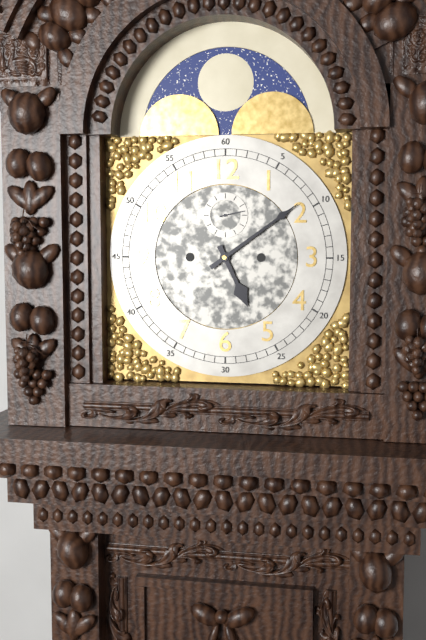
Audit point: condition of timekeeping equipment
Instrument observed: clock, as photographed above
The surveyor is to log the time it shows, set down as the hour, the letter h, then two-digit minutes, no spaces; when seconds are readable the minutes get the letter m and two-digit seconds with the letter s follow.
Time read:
5h09
